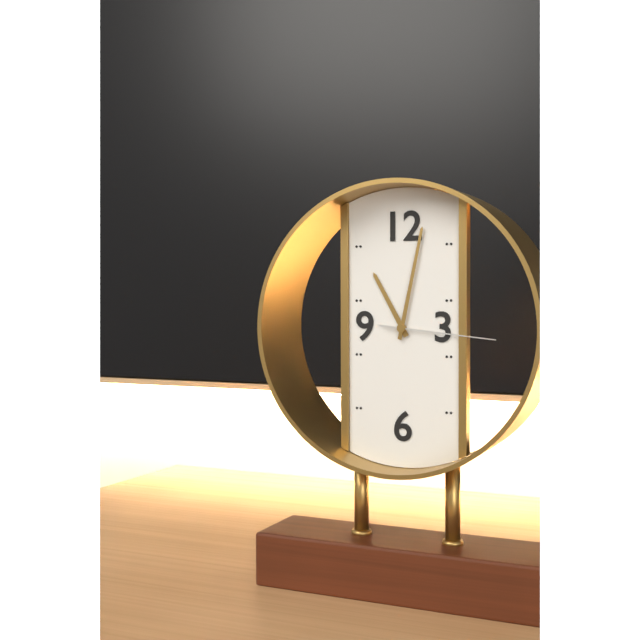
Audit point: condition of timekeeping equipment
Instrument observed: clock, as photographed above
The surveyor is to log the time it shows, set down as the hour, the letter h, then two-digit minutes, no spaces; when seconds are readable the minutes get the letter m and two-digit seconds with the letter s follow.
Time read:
11h02m16s
